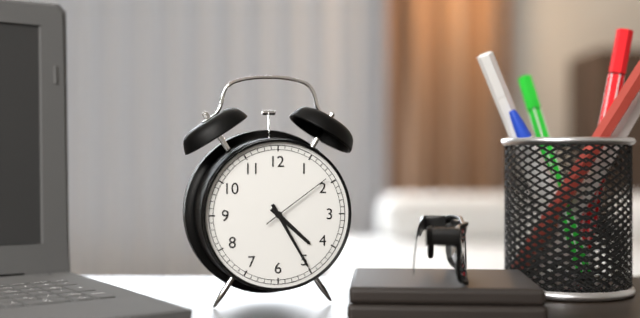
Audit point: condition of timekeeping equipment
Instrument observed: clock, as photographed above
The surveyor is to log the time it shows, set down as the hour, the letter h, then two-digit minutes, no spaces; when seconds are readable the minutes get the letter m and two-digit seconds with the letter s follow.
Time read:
4h25m09s
